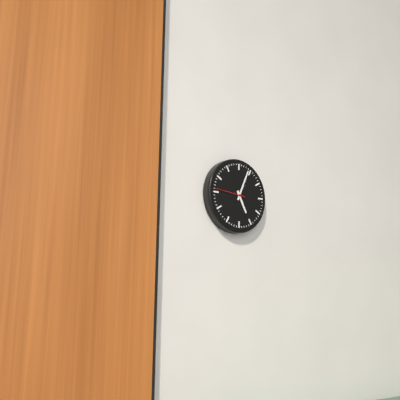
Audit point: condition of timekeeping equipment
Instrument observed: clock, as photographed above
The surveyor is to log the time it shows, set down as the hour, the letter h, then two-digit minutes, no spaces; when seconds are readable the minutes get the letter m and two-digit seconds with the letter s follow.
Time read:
5h04
